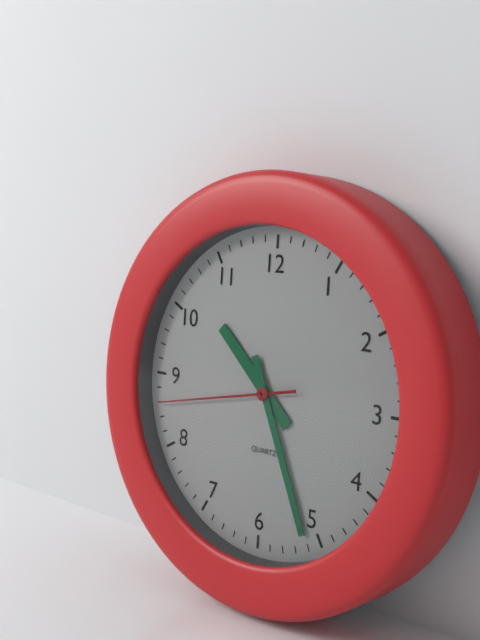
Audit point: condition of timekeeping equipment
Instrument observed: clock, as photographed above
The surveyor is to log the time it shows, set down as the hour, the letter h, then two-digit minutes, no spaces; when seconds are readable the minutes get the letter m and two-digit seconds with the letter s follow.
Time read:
10h26m43s
